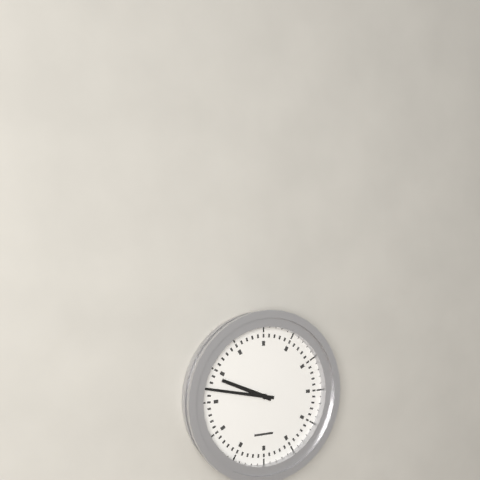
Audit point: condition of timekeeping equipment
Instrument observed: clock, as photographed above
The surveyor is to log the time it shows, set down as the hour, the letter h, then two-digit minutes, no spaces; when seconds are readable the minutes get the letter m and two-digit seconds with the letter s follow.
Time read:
9h47
